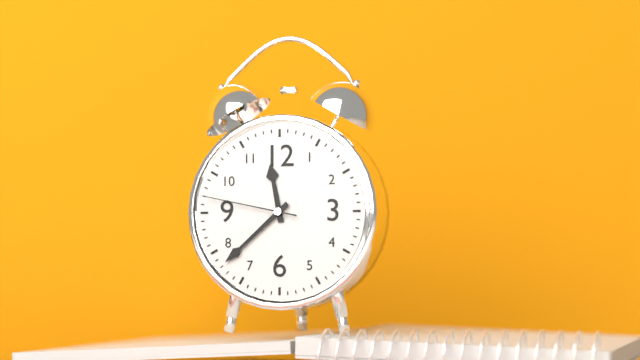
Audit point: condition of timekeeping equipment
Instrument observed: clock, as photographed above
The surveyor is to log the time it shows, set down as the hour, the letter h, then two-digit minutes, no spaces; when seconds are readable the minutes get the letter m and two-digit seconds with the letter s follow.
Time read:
11h38m47s
